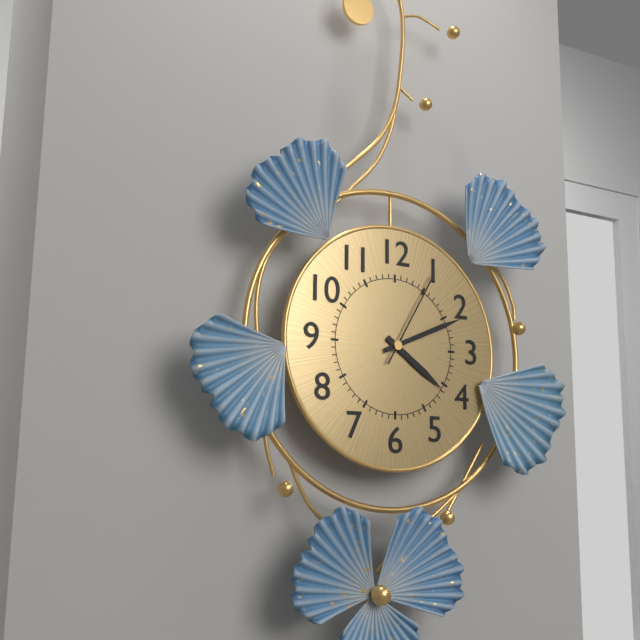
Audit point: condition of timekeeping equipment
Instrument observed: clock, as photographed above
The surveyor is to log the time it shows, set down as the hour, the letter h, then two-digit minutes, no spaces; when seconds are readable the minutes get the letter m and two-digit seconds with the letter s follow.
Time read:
4h11m05s
